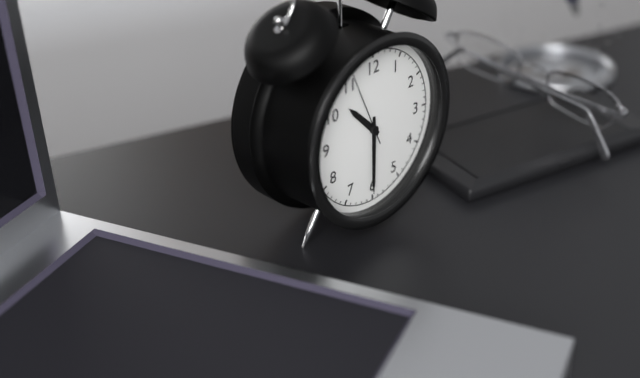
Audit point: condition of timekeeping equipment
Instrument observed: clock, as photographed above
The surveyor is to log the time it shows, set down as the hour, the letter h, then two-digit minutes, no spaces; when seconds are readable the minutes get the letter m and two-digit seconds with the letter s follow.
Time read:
10h30m56s
